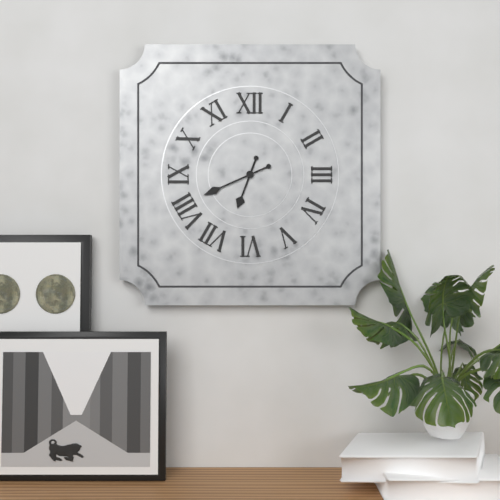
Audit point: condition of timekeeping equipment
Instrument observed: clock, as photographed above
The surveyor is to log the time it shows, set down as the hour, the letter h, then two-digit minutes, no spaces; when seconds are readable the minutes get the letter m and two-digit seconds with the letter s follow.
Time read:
6h41
